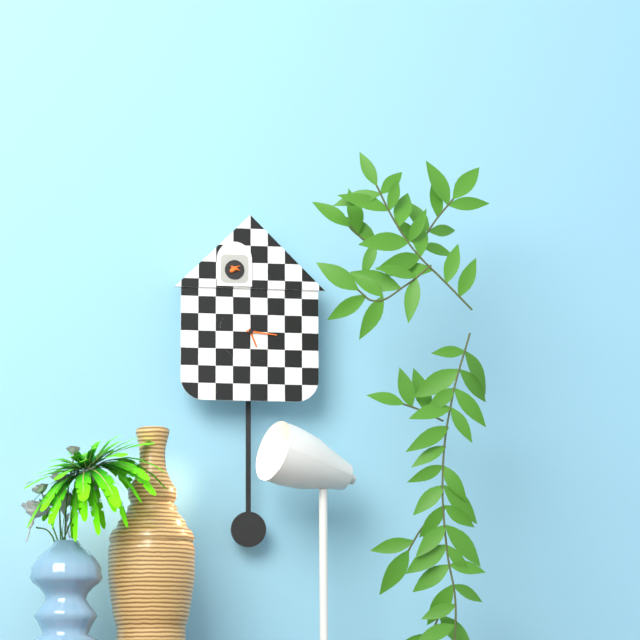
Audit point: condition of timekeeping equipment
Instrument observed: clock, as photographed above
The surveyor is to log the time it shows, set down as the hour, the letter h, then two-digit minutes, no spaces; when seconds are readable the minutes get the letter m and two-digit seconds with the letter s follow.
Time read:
5h16
